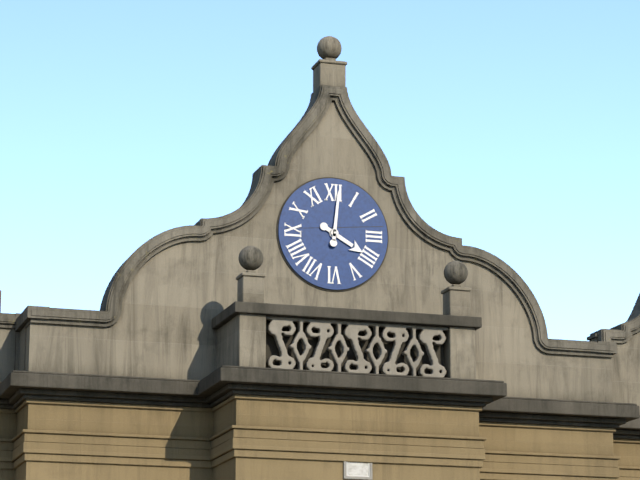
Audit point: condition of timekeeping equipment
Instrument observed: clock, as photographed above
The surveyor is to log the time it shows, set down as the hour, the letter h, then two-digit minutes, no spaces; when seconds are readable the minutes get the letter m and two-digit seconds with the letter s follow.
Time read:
4h01
